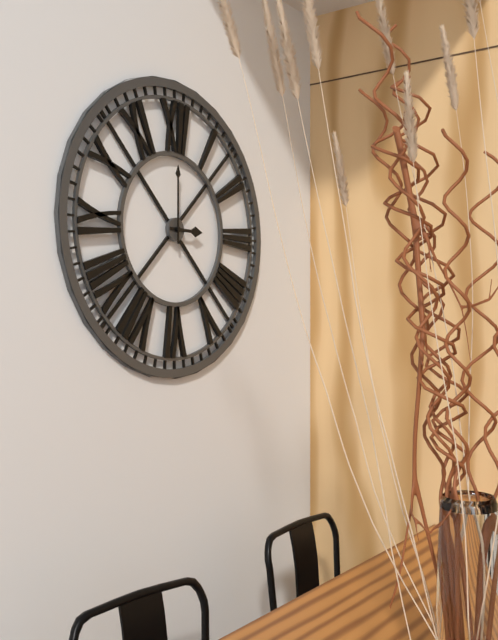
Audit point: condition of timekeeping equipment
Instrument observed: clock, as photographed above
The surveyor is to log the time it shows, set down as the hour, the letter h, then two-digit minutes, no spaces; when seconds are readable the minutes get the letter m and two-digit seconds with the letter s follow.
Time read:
3h00
